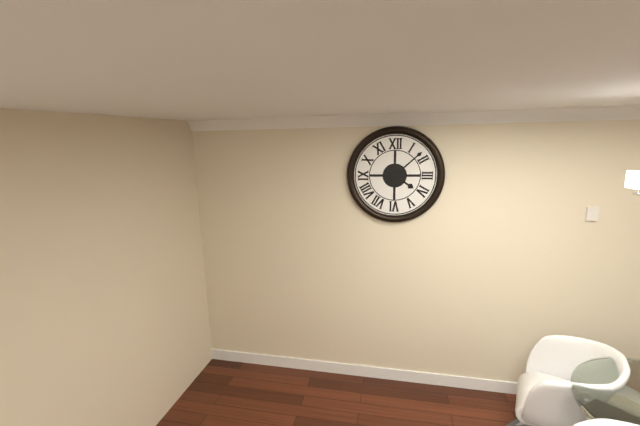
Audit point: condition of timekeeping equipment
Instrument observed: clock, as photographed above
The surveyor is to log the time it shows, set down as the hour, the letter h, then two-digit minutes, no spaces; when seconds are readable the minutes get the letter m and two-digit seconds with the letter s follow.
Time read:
4h08
